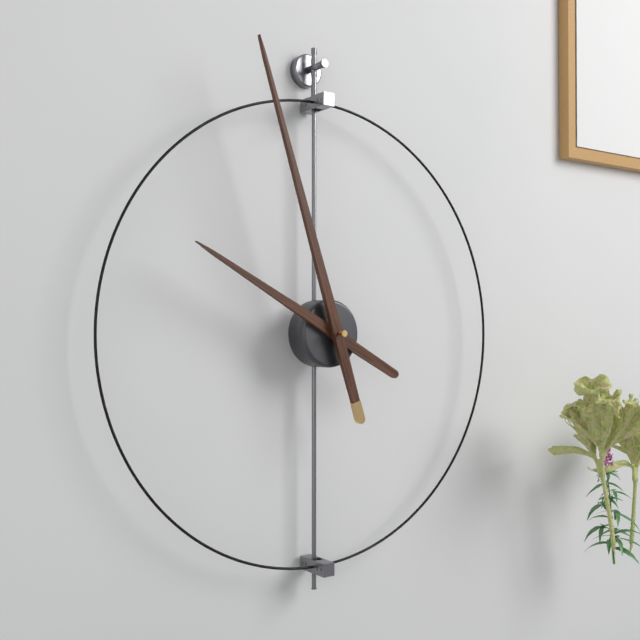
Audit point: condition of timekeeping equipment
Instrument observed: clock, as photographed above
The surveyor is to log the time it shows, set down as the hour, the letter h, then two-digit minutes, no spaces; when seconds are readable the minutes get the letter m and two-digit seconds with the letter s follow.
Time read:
9h57
